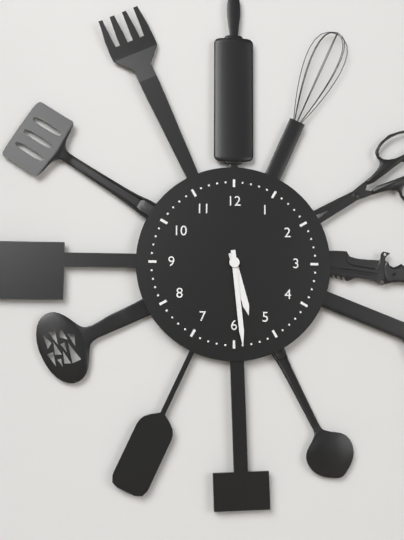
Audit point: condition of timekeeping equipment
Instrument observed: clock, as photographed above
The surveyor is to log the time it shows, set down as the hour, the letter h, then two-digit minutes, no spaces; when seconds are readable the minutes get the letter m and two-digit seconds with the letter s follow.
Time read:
5h29
